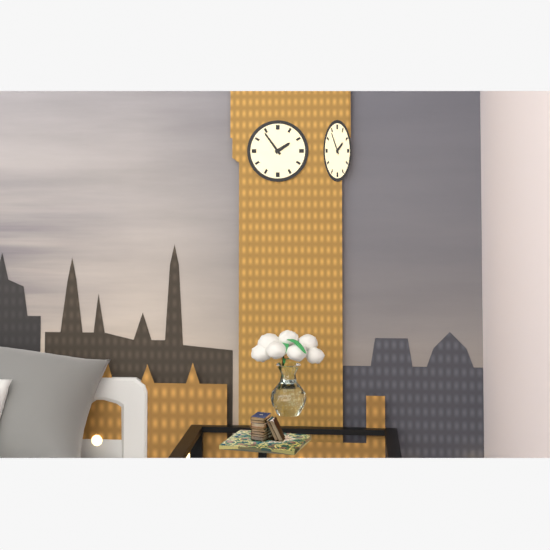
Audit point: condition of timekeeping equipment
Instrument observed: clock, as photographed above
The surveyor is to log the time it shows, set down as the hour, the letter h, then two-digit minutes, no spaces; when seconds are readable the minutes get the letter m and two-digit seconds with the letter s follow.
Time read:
1h54
